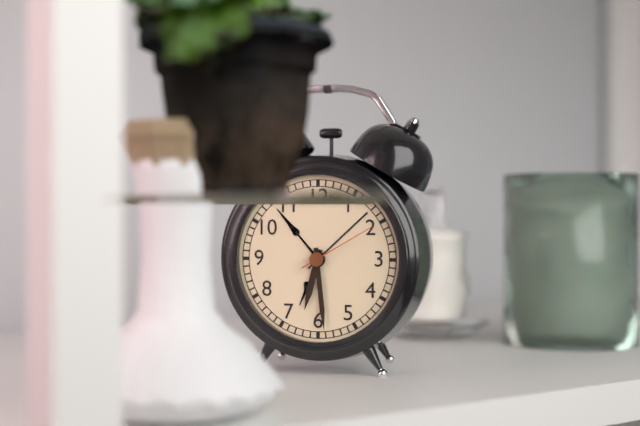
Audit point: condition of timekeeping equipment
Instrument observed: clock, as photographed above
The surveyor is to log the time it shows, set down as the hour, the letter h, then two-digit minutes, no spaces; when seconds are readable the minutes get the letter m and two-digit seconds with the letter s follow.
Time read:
6h29m10s
